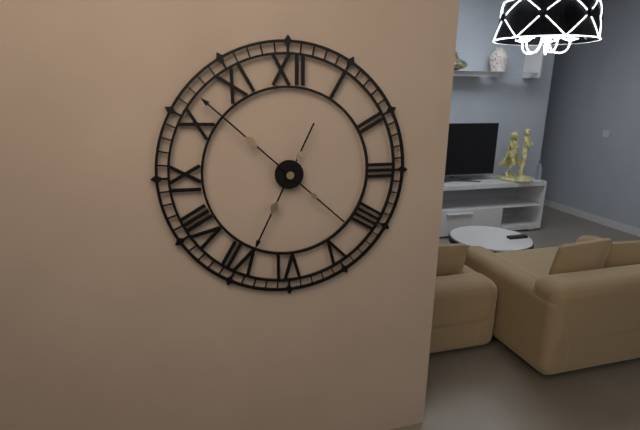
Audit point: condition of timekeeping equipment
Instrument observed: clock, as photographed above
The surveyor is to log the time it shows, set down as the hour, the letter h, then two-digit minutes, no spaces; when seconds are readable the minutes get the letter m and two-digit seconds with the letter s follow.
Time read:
6h52
